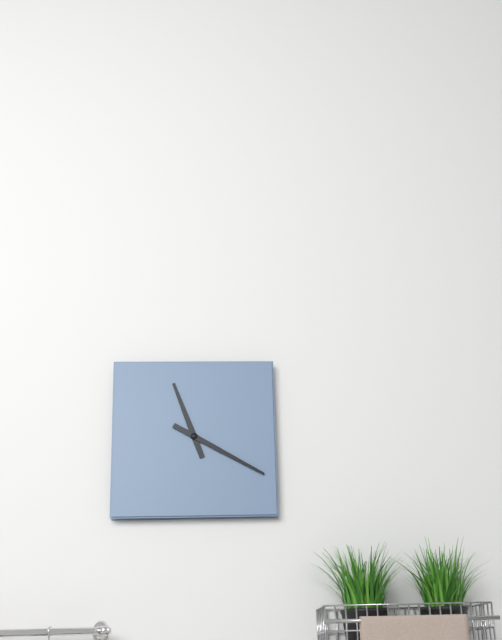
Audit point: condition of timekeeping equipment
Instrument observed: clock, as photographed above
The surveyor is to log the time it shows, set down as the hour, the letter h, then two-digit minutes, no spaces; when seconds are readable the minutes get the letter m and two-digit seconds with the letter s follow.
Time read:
11h20
